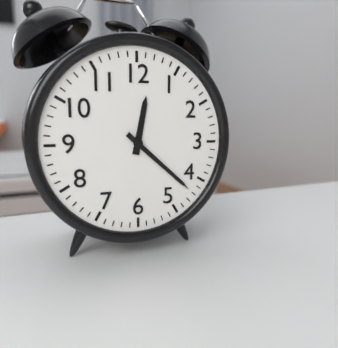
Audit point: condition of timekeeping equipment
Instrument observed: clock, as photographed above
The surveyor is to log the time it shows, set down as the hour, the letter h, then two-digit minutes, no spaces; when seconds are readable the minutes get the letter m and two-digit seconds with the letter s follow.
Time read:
12h22
